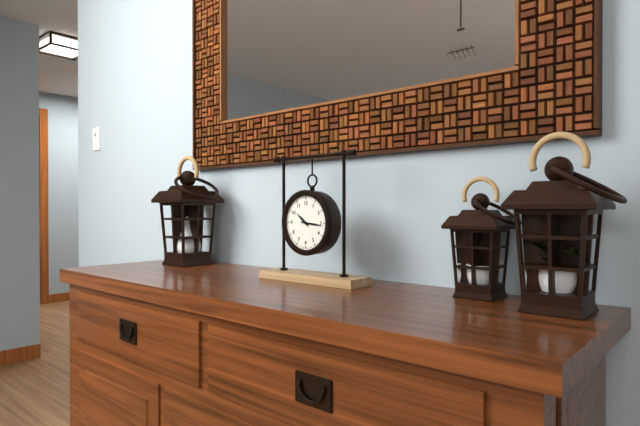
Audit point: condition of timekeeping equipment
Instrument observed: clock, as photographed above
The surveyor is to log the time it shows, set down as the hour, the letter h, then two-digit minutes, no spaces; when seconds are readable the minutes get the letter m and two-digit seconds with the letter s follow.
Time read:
10h16
